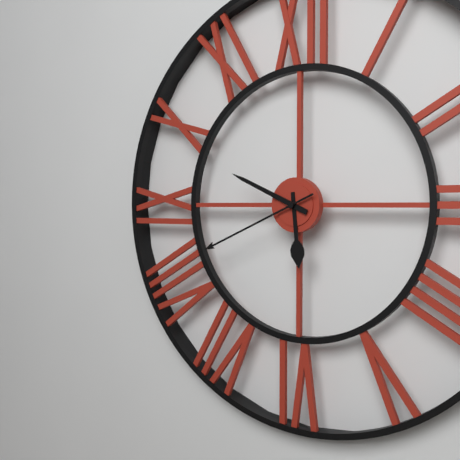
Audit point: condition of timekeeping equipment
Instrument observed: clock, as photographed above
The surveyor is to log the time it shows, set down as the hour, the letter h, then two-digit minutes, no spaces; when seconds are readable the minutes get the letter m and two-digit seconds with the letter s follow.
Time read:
5h49m41s
